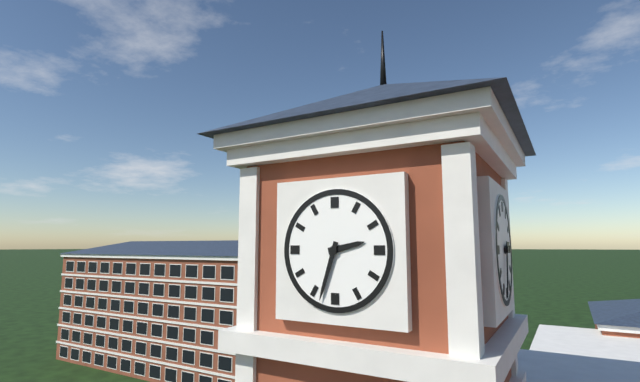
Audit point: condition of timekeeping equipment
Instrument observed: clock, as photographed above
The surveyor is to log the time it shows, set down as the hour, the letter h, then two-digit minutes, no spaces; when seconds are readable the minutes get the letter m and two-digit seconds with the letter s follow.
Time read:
2h33
